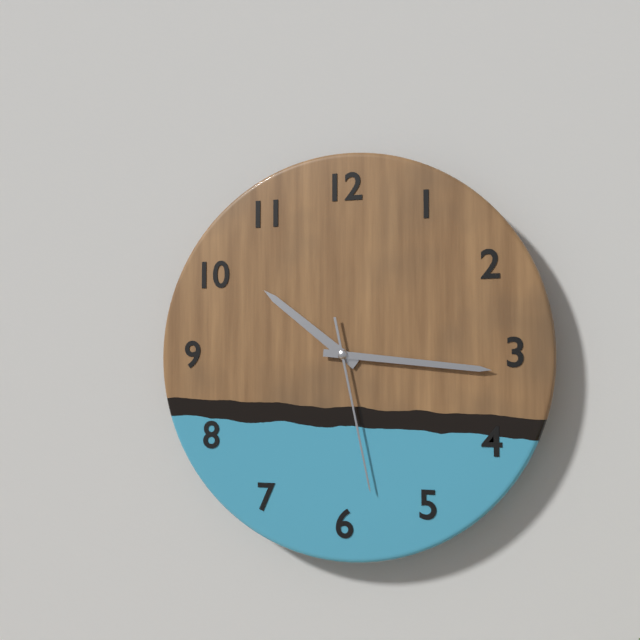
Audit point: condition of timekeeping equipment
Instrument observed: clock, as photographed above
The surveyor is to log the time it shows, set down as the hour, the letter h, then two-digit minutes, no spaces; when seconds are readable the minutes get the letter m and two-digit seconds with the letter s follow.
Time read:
10h16m28s
